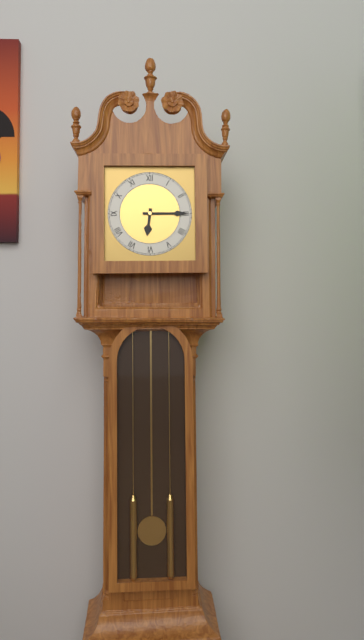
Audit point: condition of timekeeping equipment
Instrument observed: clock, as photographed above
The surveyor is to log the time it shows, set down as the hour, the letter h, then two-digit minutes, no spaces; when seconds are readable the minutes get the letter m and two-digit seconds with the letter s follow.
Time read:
6h15
